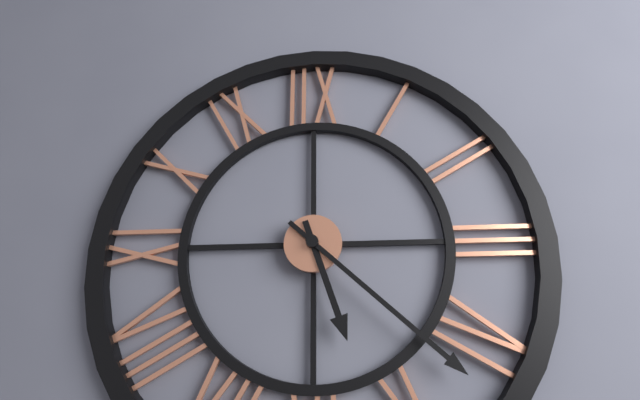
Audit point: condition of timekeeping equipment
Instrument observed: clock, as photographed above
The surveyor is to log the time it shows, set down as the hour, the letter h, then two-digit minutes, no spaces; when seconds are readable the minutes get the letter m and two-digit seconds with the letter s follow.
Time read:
5h22
